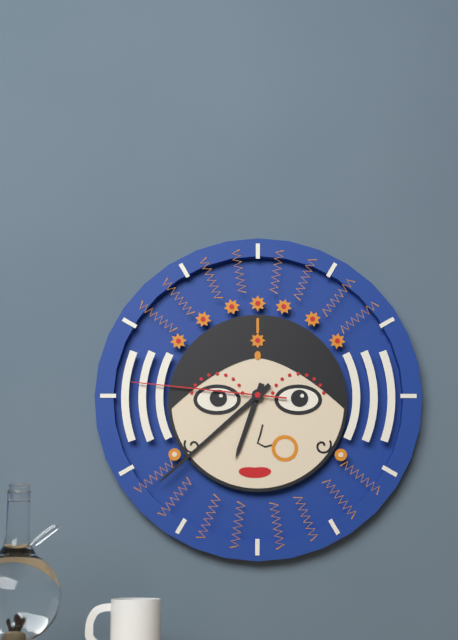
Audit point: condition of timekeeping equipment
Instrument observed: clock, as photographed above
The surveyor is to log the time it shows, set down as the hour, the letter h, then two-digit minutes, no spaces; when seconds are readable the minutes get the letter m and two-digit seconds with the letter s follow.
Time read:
6h38m46s
